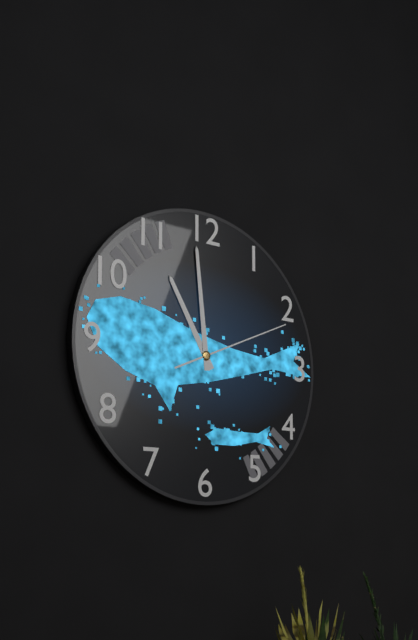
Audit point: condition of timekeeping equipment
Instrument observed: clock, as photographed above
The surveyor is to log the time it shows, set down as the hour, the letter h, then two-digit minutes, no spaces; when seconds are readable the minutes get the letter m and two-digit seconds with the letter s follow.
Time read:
10h59m11s
